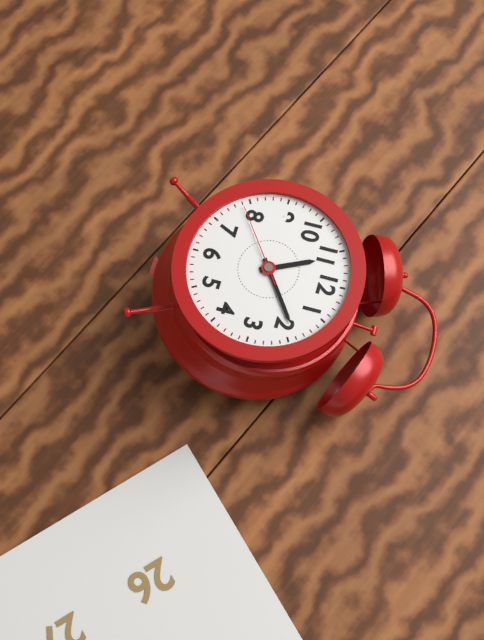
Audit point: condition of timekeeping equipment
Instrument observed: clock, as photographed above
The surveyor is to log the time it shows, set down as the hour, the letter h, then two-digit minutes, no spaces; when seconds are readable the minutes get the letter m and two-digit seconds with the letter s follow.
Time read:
11h09m39s
